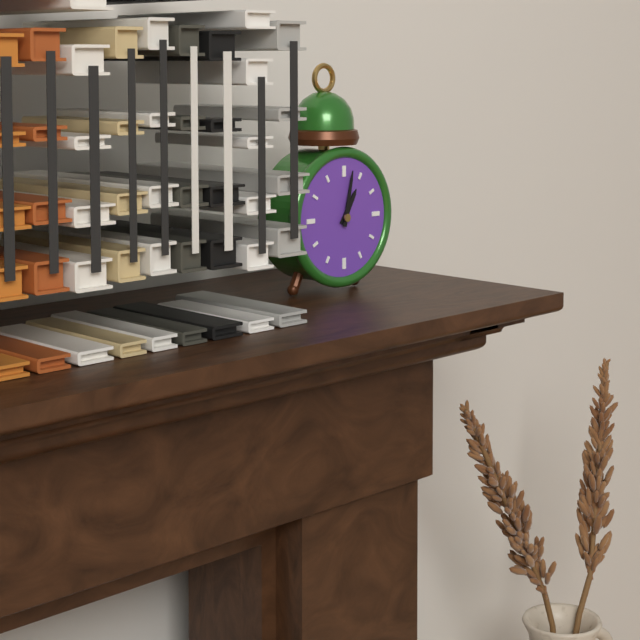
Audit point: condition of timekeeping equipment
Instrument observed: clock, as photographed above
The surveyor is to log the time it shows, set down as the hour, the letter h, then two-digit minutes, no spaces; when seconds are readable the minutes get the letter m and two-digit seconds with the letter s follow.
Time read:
1h02
